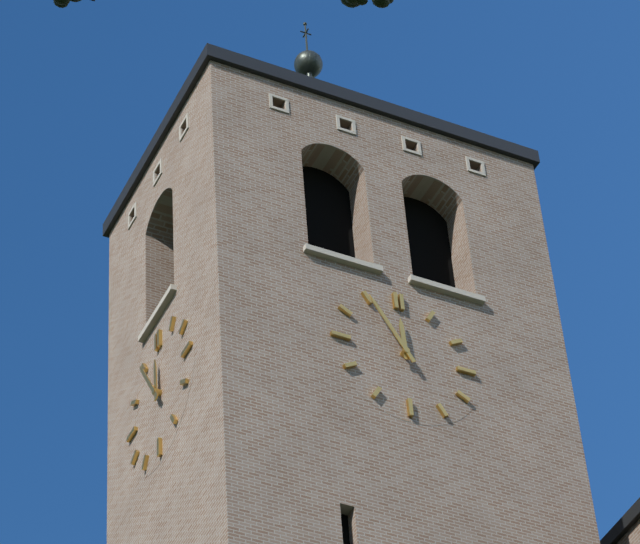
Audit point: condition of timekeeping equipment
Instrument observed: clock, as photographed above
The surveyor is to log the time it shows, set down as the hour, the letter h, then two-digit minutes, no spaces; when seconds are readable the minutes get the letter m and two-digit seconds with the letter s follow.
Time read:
11h55
